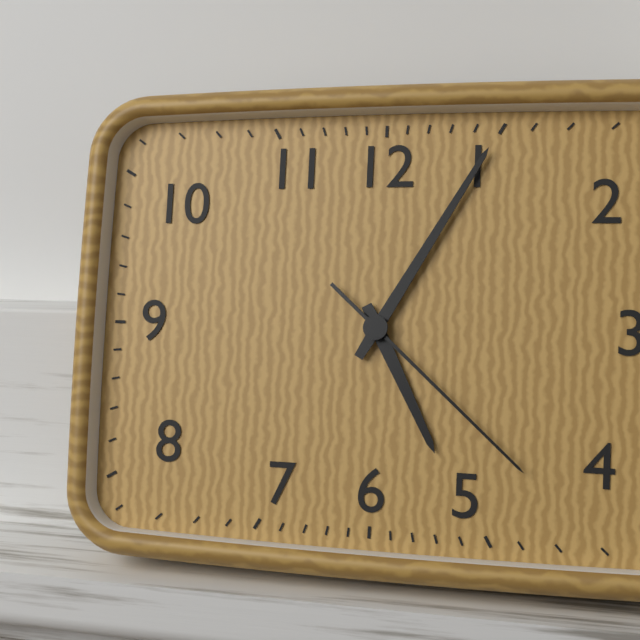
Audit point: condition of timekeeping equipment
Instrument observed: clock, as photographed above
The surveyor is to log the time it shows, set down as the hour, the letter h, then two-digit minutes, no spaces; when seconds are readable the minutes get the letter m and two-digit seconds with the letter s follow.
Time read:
5h05m22s
